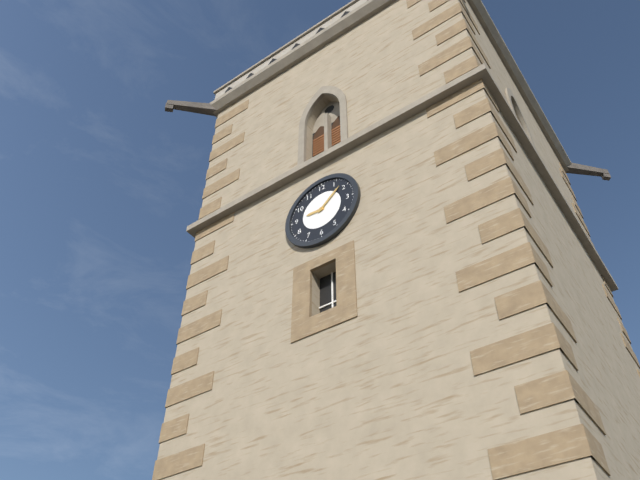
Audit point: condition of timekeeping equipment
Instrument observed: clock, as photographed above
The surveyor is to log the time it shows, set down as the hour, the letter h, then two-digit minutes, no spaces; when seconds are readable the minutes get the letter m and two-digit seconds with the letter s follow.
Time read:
9h08
